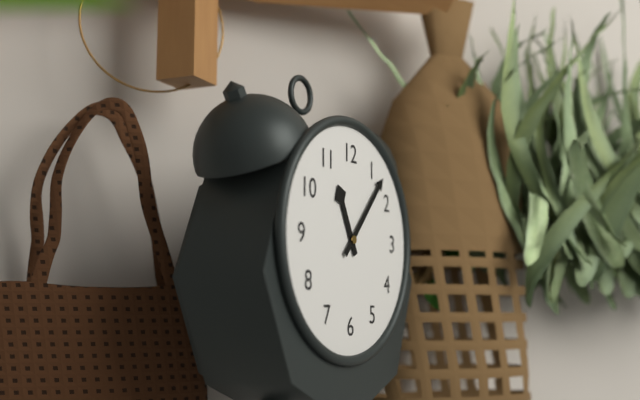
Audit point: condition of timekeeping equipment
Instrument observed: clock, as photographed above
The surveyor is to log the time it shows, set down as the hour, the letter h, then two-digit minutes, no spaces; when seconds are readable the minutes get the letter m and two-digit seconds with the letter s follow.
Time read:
11h07
